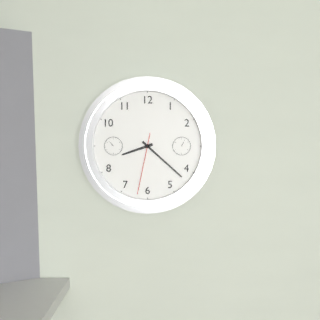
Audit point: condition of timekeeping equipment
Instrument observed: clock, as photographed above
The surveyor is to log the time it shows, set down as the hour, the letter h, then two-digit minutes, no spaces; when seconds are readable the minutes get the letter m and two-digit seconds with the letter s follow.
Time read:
8h22m32s
